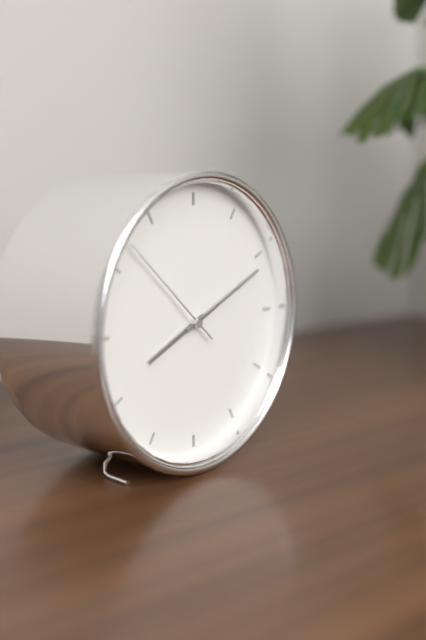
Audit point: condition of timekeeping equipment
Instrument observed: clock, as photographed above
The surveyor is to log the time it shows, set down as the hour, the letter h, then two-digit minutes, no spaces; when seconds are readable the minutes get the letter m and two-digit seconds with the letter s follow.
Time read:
8h11m52s
